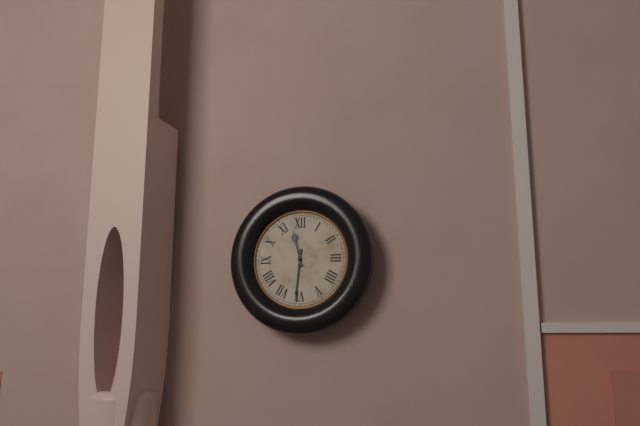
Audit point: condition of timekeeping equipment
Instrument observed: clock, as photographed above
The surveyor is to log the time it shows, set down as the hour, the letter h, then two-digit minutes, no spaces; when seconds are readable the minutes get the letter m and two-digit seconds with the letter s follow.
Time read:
11h31
